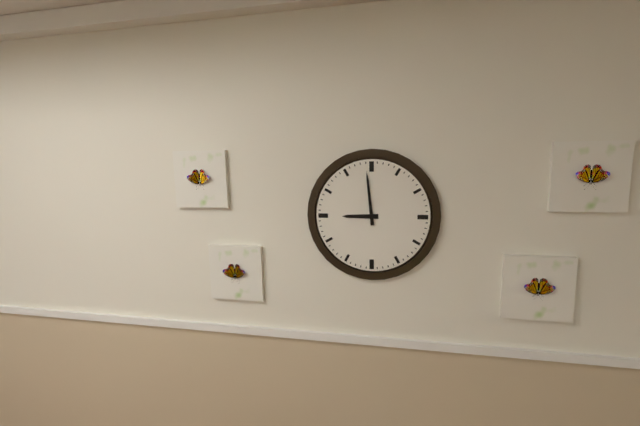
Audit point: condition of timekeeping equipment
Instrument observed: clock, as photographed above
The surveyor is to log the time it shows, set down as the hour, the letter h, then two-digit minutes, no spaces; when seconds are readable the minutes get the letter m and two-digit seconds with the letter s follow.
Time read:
8h59
